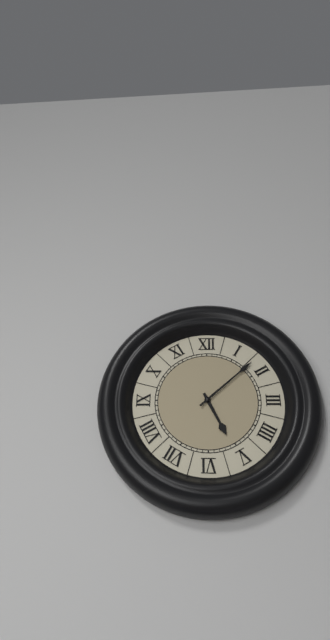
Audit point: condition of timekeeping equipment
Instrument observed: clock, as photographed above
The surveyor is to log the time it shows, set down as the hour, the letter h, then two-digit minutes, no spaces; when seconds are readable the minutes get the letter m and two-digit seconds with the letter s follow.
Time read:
5h08
